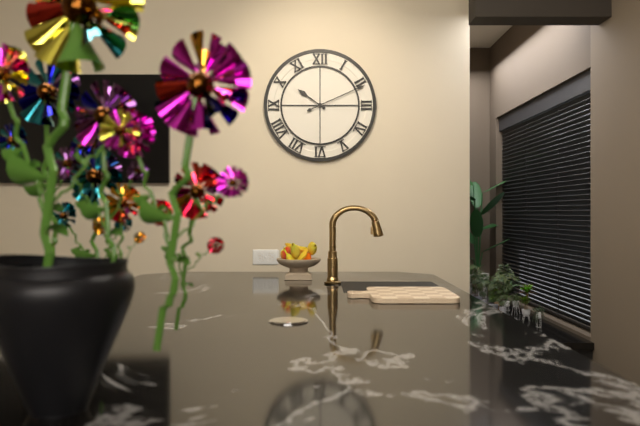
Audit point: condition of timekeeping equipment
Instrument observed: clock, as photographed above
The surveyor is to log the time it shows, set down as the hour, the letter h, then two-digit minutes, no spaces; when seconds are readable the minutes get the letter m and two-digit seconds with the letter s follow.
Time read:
10h11
